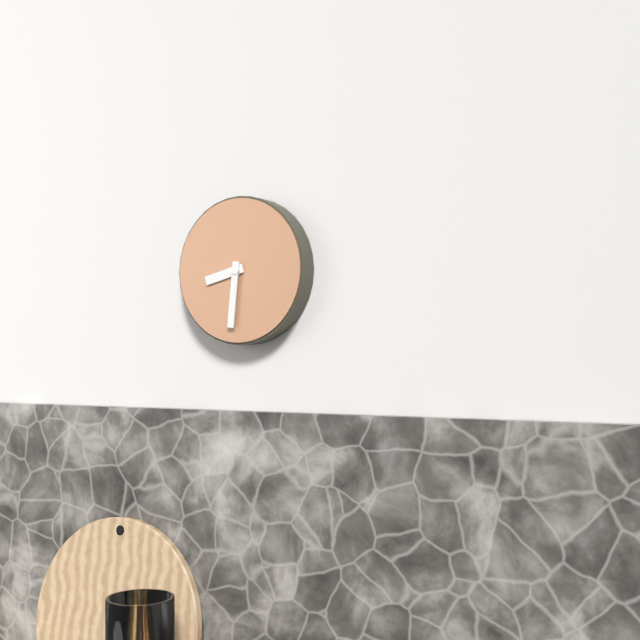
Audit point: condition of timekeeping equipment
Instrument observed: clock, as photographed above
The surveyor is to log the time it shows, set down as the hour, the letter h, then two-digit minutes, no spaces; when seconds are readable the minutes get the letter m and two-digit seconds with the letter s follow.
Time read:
8h31
